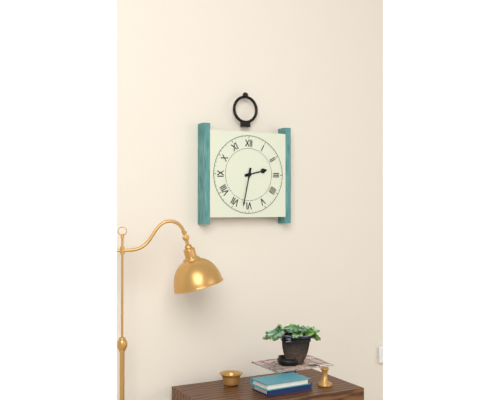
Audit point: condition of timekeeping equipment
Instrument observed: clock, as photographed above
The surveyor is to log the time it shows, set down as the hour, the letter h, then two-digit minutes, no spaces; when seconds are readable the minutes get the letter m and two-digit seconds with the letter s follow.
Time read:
2h32
